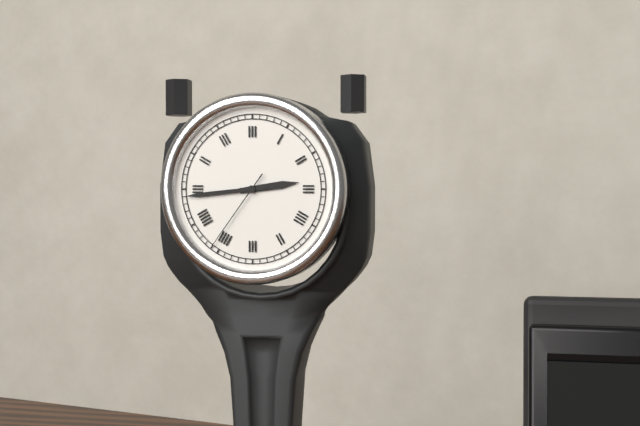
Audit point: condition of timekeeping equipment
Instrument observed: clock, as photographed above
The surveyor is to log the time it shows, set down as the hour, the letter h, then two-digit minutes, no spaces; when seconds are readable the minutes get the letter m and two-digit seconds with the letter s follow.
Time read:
2h44m36s
